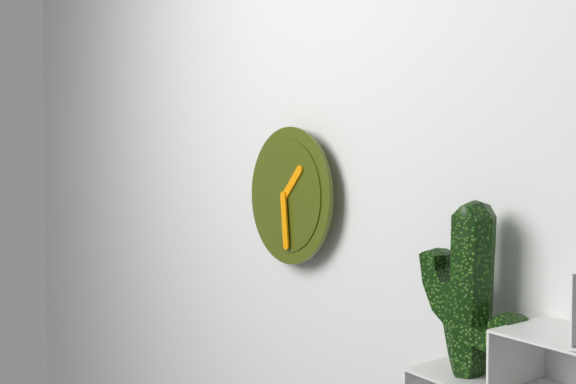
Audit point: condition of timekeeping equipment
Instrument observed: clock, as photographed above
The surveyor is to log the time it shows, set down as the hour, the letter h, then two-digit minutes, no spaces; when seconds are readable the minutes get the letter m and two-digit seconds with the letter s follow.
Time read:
1h29
